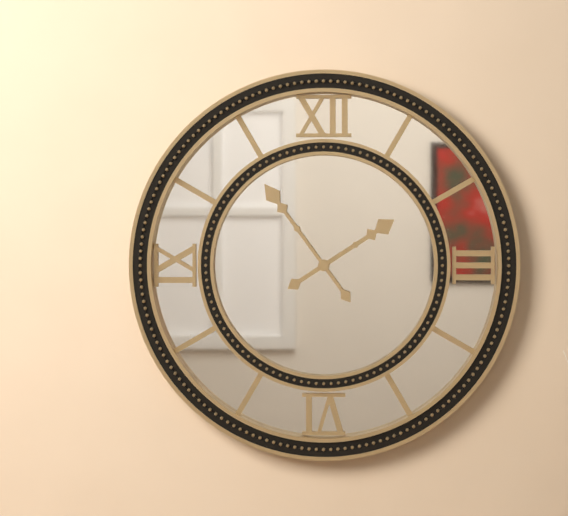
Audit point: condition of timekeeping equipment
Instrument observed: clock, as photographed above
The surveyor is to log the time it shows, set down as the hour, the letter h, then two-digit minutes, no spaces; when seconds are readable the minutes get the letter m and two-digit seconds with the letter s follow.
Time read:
1h54
